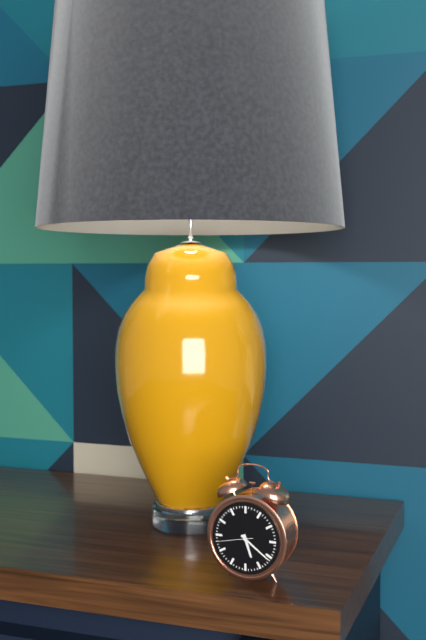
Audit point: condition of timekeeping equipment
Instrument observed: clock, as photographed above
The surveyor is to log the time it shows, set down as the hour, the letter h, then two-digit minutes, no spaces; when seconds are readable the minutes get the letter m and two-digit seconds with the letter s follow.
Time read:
5h21
